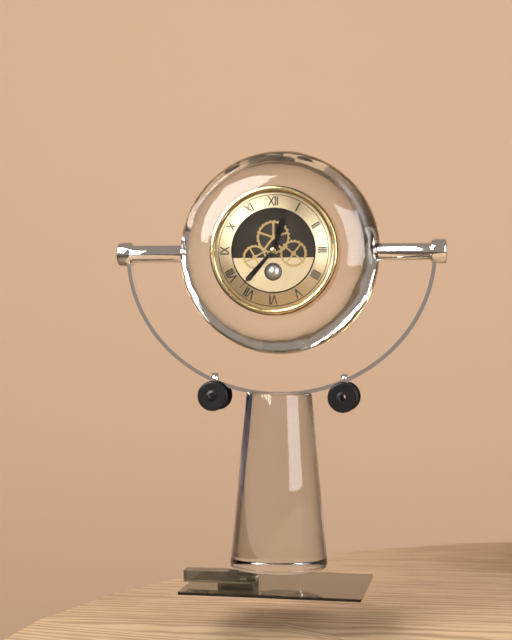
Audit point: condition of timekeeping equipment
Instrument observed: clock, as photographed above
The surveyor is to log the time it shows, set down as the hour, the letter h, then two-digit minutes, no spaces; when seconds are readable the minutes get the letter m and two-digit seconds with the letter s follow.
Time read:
12h37
